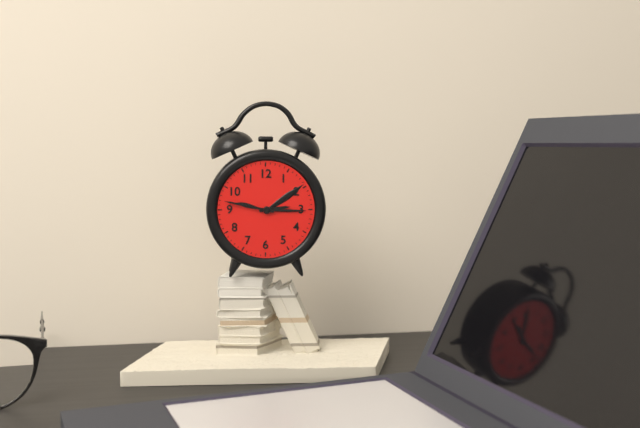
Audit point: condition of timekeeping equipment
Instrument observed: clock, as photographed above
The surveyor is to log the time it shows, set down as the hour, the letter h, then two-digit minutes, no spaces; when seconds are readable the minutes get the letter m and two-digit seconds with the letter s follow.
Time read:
2h47
